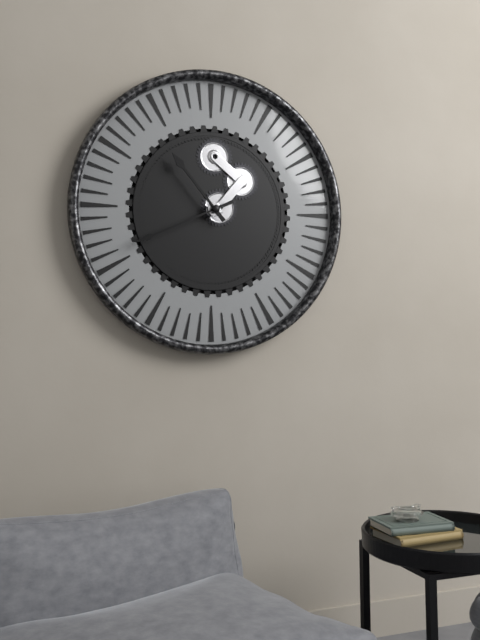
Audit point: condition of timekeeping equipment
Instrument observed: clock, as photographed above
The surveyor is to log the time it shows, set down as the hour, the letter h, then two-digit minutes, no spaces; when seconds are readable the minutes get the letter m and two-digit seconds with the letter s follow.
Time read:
10h41
